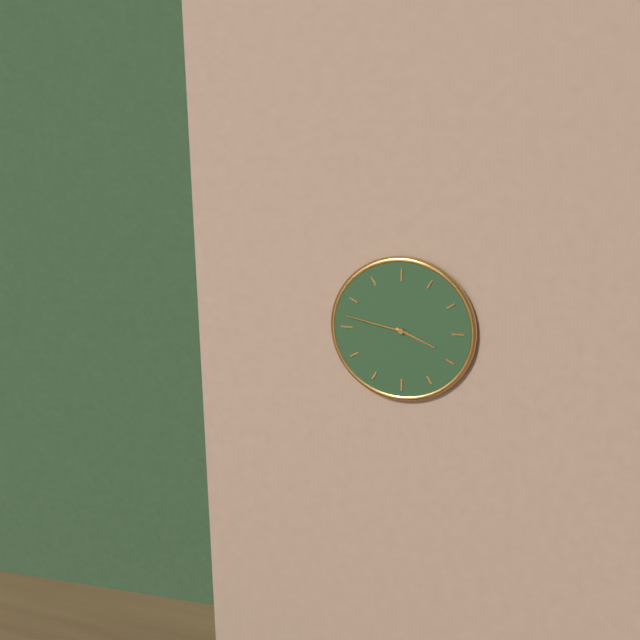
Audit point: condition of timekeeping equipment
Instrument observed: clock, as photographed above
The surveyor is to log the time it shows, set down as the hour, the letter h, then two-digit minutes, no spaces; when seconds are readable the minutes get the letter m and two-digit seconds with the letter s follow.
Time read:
3h47
